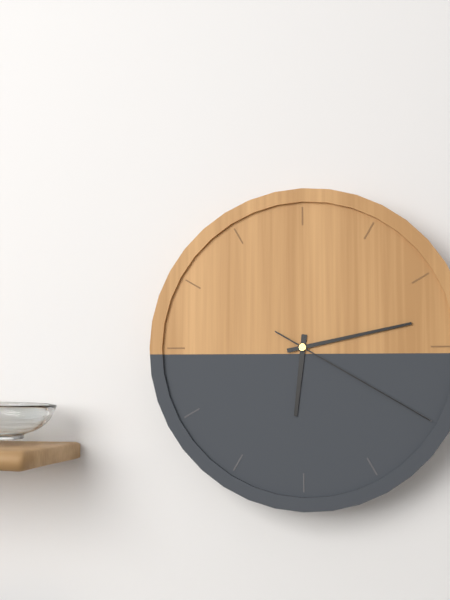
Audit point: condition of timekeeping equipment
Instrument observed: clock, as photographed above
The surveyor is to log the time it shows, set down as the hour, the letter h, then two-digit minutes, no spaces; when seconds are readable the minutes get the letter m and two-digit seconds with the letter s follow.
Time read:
6h13m20s
